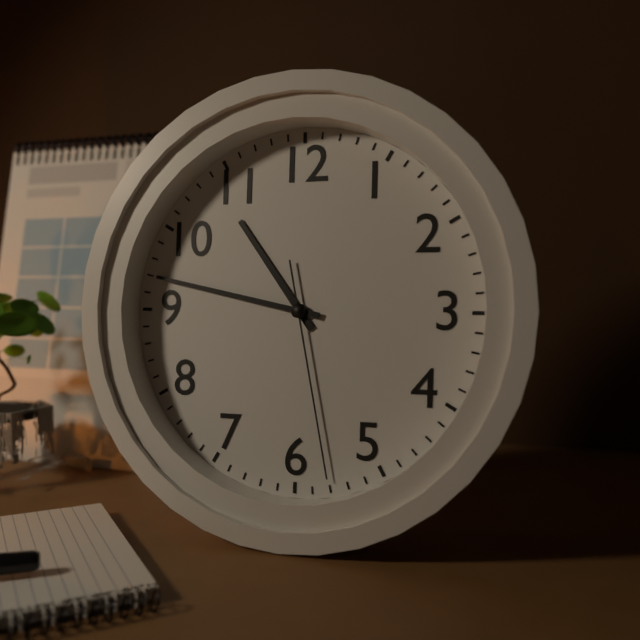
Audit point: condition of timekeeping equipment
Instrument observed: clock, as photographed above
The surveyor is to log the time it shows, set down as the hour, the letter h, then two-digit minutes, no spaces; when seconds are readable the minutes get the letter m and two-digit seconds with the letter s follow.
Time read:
10h47m28s
